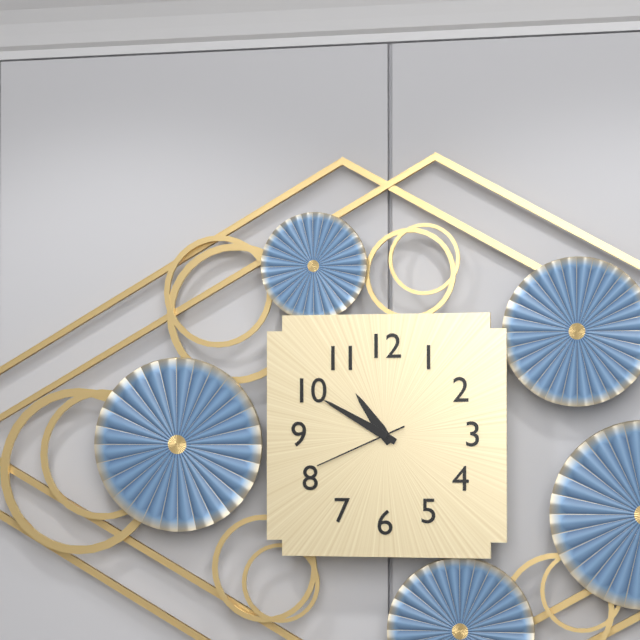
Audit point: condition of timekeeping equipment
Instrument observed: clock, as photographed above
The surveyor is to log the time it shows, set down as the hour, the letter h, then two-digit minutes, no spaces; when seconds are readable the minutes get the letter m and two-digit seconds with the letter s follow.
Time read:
10h50m41s
